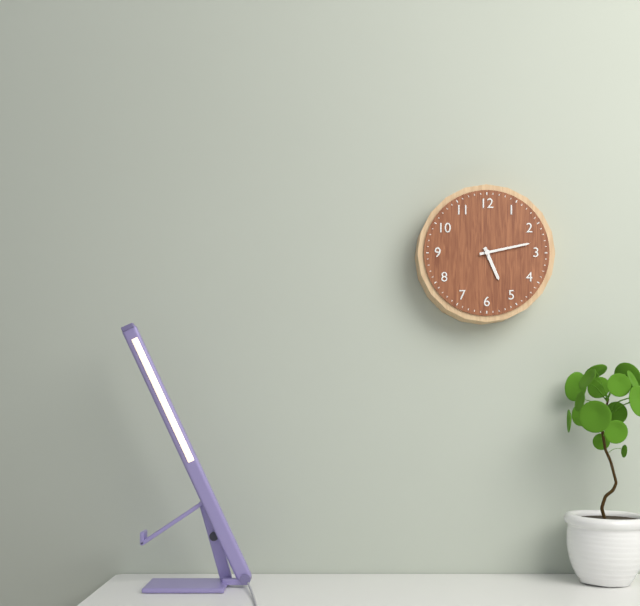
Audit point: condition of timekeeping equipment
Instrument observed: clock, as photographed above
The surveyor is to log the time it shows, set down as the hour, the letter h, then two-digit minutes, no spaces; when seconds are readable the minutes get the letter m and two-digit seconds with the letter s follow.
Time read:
5h13
